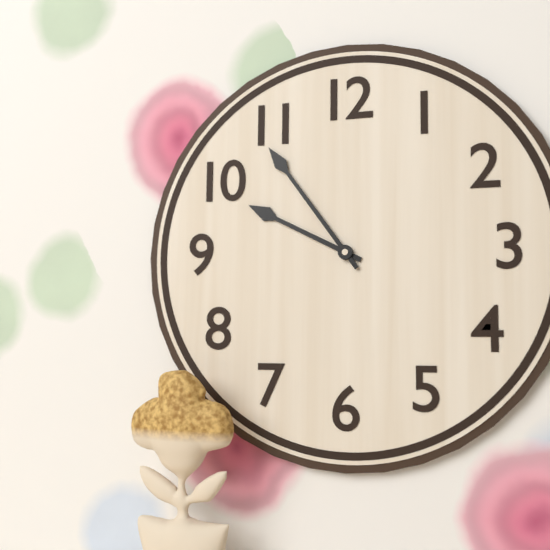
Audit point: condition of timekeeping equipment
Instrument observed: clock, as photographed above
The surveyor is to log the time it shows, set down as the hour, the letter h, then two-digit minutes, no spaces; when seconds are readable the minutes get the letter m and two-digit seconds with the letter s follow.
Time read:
9h54
